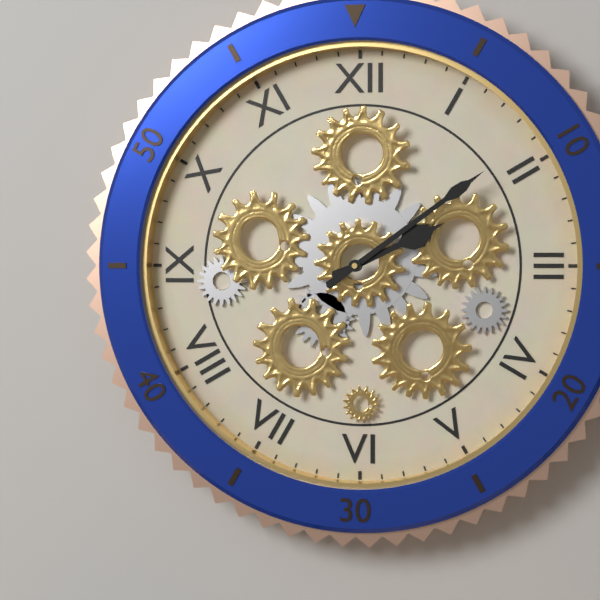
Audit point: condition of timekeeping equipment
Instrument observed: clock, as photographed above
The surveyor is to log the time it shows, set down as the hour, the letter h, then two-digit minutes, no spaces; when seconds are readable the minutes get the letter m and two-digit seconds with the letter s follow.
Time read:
2h09
